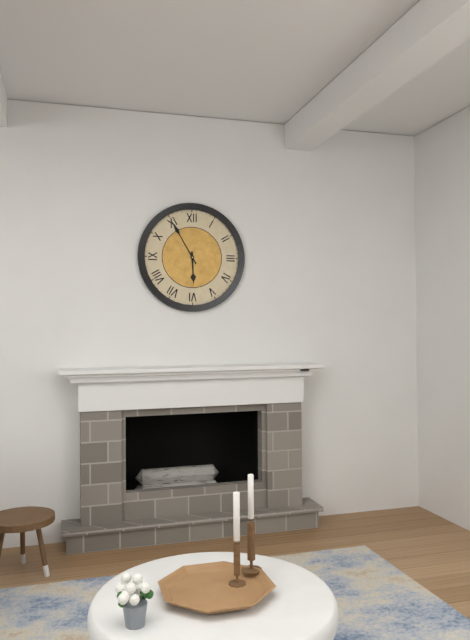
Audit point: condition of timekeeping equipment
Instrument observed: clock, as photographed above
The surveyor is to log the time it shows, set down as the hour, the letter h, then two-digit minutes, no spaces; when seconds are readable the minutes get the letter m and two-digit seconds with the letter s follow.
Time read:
5h55
